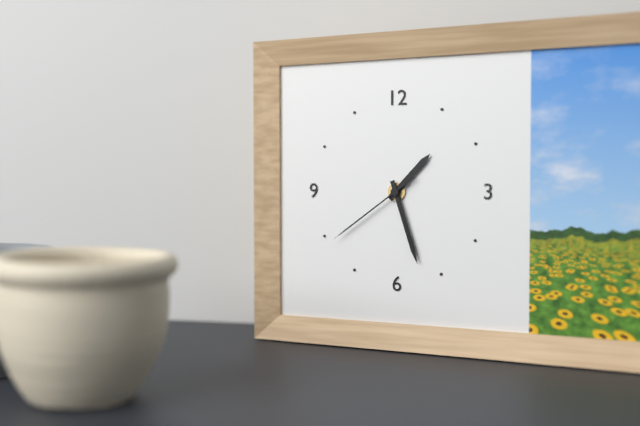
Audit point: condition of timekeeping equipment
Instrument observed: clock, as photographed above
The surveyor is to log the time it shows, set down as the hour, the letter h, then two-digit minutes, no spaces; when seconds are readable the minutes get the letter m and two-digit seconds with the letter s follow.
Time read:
1h27m39s
